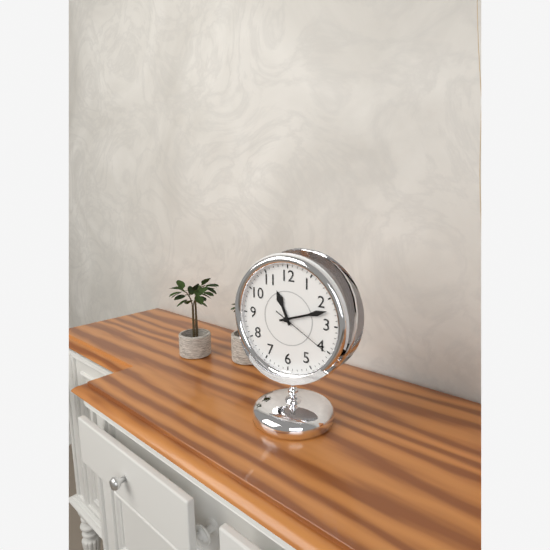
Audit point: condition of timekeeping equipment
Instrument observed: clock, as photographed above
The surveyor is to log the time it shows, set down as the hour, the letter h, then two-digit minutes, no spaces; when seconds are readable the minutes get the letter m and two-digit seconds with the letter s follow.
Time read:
11h12m20s
